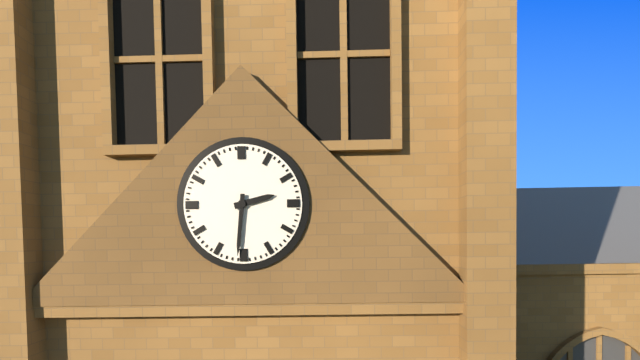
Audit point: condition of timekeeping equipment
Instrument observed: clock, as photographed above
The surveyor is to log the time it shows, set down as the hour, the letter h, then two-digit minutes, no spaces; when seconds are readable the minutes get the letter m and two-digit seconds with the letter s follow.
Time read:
2h31
